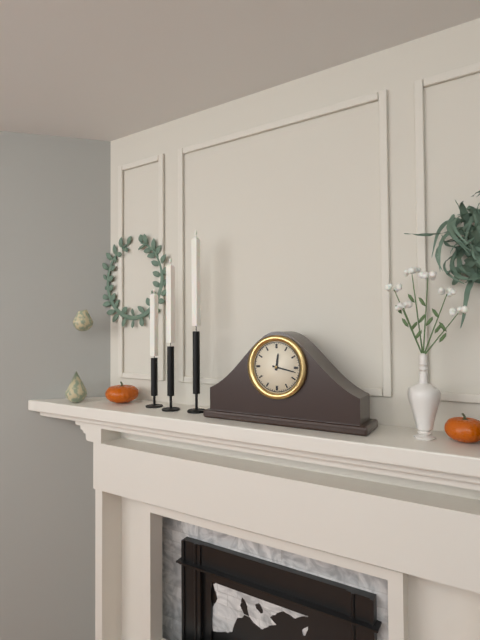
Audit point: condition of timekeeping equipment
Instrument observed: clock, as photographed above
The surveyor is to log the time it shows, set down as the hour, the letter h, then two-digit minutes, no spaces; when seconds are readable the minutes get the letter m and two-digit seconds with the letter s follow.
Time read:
12h17
